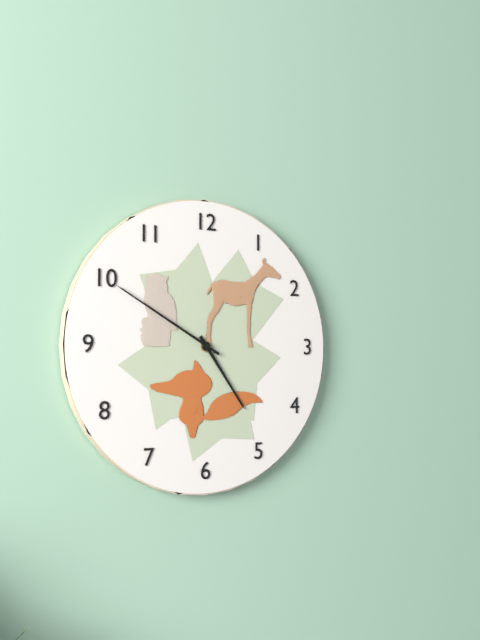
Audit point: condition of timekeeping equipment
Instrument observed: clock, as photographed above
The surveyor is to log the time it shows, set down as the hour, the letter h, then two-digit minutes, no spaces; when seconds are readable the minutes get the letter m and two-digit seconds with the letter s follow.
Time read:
4h50
